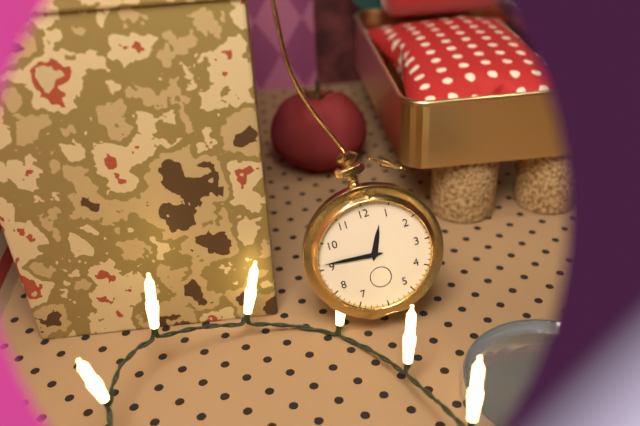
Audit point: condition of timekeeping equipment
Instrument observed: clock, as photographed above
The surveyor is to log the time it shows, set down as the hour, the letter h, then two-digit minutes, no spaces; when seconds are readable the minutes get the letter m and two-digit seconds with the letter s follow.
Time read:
12h46
